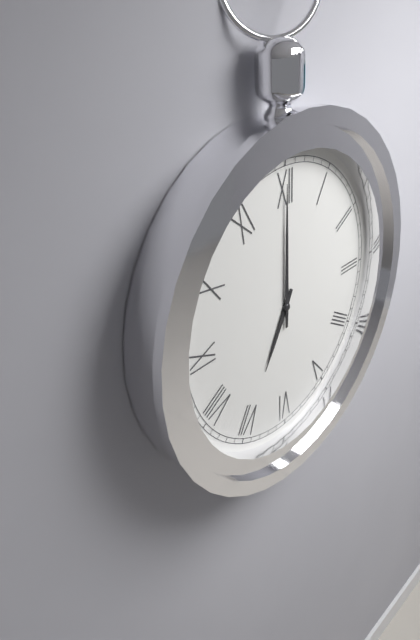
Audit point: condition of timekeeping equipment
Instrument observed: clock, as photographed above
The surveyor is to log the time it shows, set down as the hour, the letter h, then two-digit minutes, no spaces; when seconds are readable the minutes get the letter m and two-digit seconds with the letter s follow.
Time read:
7h00
